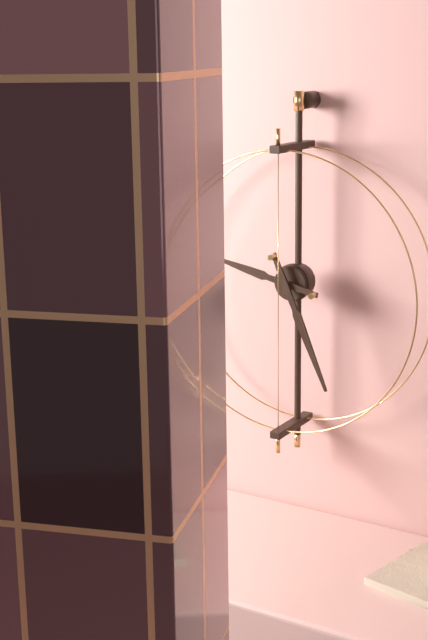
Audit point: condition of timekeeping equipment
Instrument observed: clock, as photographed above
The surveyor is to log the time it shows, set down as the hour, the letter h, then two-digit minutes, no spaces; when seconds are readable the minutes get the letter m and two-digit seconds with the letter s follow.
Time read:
9h26
